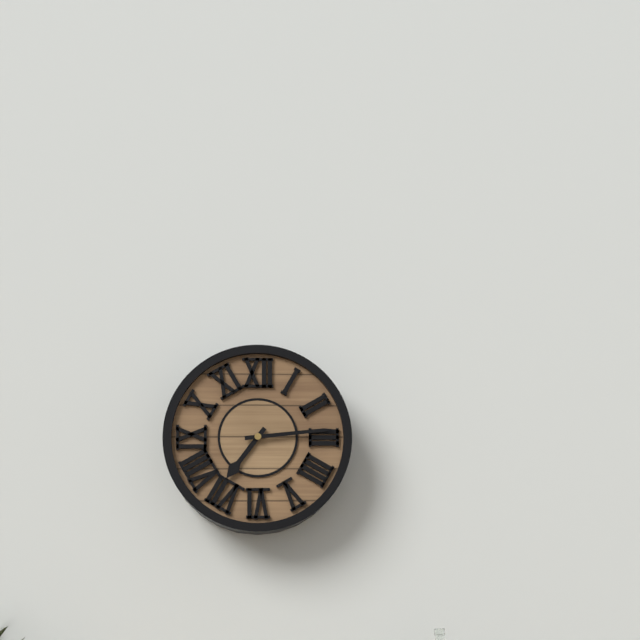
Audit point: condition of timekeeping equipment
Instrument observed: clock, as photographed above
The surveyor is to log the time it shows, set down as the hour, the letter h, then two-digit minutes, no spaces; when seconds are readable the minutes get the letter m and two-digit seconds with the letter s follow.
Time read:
7h14
